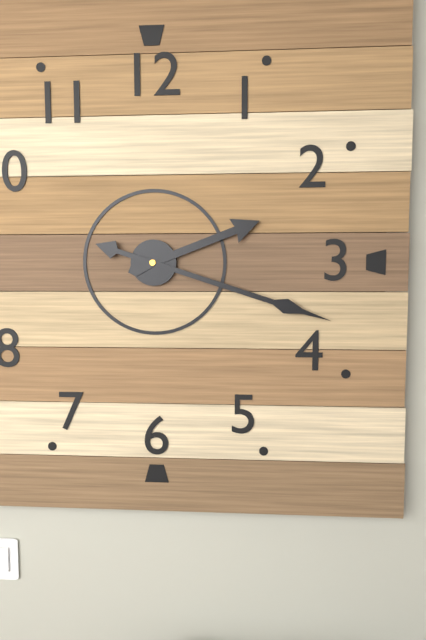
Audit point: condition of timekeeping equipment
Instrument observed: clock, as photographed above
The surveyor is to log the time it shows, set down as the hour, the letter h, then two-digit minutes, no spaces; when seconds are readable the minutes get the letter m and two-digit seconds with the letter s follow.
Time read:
2h18
